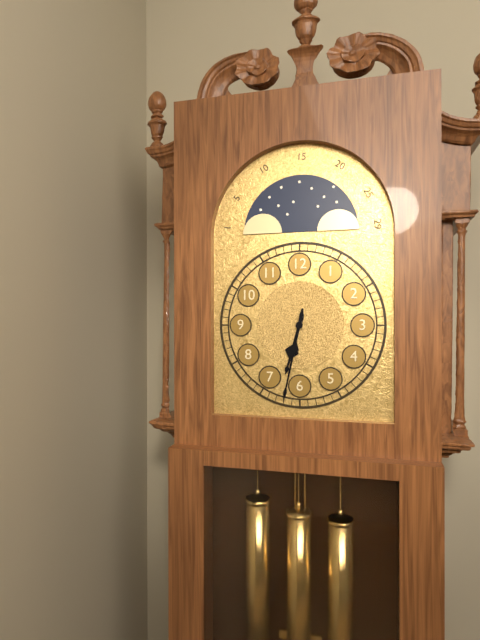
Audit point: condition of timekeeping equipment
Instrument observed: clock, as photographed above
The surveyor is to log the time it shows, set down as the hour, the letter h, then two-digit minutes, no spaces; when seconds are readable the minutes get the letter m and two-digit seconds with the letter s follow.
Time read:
6h32
